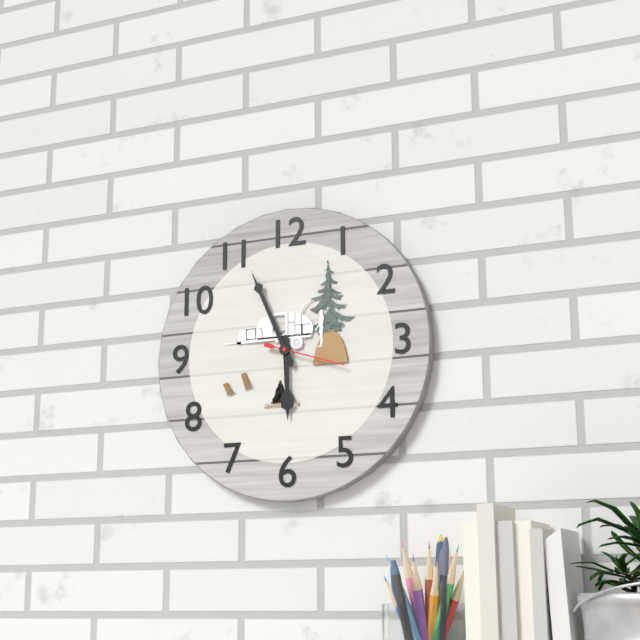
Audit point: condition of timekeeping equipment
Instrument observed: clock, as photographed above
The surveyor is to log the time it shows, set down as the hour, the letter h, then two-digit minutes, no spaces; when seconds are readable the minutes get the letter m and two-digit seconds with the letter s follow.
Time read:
5h56m18s
